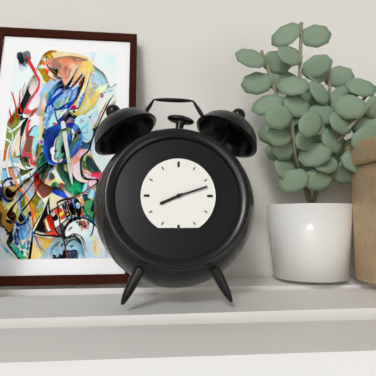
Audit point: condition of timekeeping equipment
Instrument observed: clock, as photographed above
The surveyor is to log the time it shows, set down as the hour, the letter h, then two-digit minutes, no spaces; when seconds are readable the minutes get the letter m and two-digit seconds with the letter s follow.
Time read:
8h12
